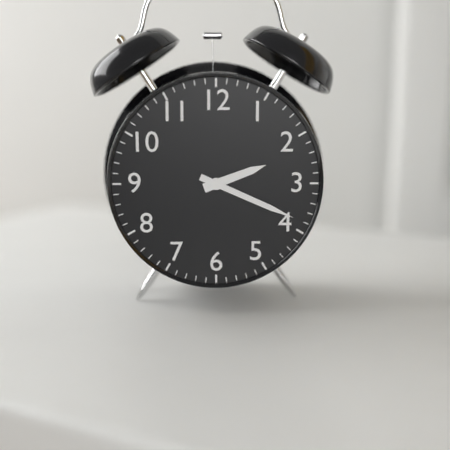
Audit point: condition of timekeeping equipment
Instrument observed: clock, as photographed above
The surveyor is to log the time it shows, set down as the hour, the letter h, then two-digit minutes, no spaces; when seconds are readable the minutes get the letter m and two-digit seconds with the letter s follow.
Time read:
2h19
